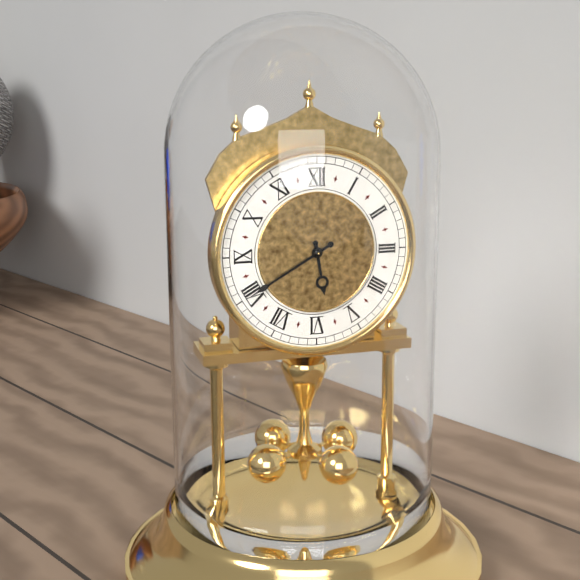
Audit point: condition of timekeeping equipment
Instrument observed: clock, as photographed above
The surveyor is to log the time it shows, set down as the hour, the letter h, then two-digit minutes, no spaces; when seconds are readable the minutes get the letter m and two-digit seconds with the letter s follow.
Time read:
5h40
